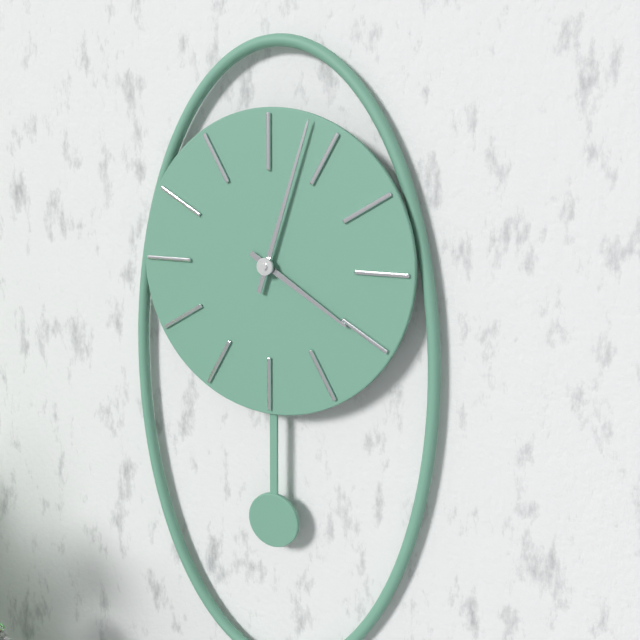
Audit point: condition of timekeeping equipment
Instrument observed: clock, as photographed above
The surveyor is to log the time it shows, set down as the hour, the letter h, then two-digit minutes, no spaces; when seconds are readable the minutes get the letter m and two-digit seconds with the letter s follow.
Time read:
4h03
